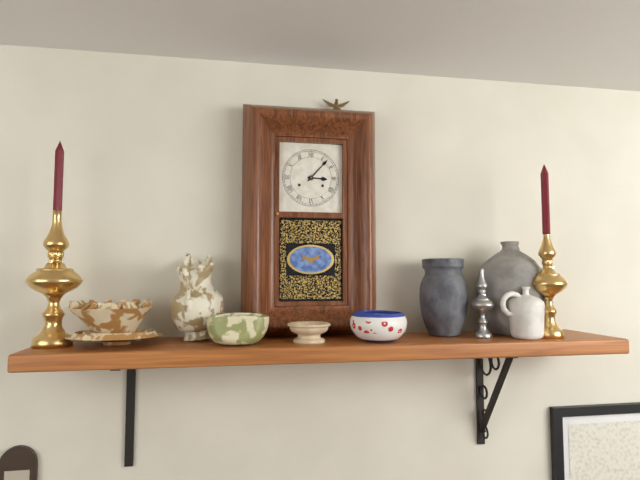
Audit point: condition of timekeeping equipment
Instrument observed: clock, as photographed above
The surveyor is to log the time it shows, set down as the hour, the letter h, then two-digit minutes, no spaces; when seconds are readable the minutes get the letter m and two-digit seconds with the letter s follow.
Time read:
3h07
